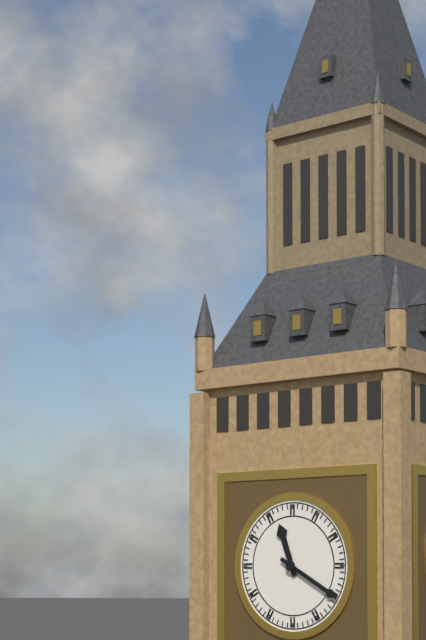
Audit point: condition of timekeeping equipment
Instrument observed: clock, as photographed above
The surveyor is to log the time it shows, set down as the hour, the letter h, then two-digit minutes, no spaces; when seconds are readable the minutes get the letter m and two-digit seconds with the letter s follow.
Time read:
11h20
